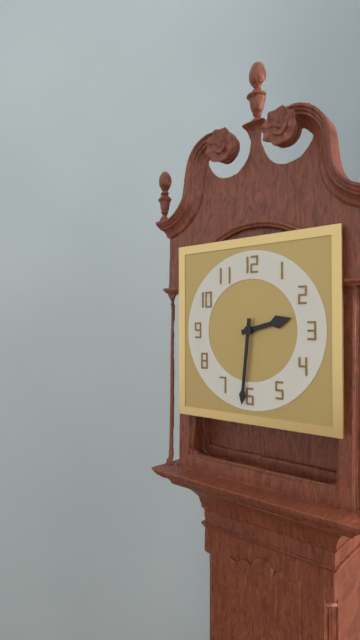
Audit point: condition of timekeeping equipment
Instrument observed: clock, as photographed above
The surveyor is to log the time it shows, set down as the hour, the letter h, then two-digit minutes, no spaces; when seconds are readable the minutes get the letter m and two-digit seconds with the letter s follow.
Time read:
2h31
